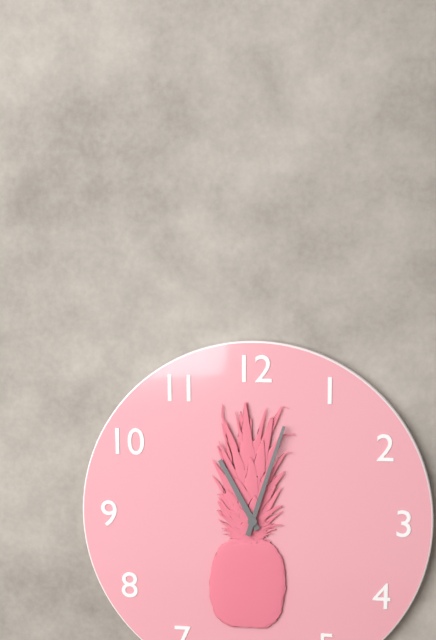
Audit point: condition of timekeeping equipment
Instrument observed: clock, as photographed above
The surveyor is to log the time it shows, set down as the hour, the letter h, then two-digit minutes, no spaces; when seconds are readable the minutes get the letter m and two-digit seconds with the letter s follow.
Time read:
11h03
